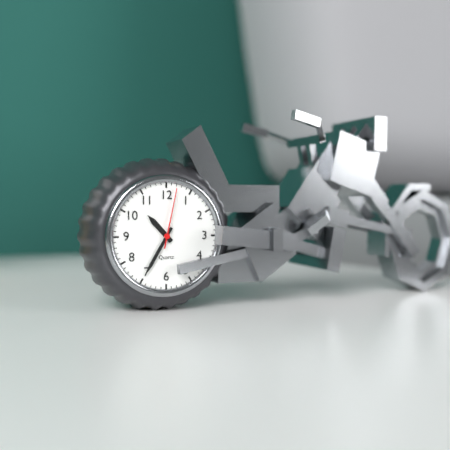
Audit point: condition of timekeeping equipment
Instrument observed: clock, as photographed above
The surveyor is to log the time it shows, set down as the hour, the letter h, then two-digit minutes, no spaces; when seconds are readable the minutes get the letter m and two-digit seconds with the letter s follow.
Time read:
10h35m02s
